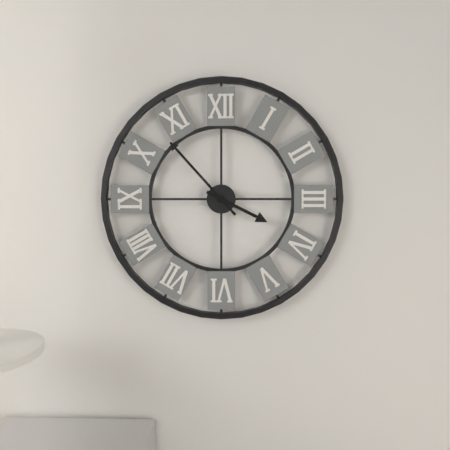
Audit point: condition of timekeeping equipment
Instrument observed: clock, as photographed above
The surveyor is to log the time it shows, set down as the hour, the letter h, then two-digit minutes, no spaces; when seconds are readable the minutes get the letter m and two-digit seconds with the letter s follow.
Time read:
3h53
